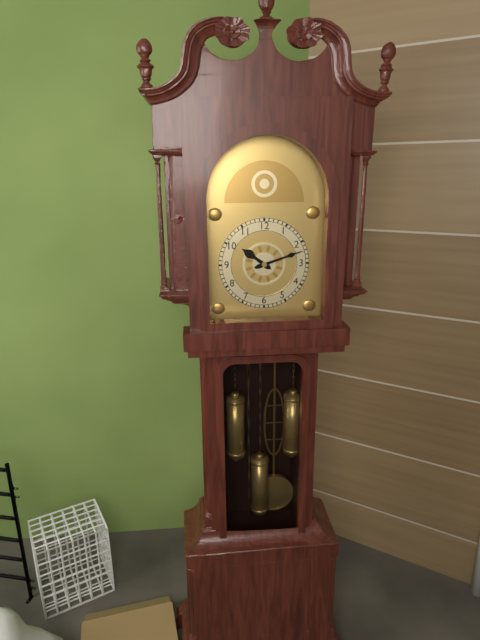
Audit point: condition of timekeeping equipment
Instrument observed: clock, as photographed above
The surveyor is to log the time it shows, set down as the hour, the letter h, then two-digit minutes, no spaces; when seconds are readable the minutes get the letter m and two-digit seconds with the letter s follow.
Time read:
10h12
